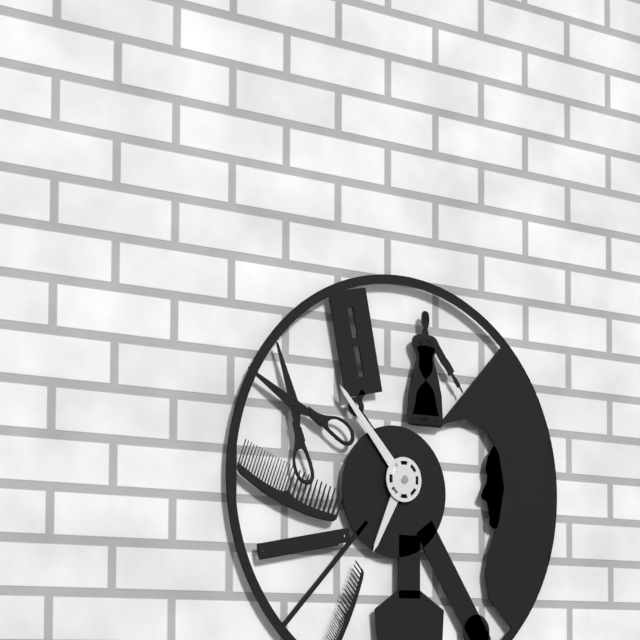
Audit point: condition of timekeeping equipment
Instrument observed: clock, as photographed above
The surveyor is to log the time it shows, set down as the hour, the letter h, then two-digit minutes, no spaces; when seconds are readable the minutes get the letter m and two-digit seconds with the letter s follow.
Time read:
6h53
